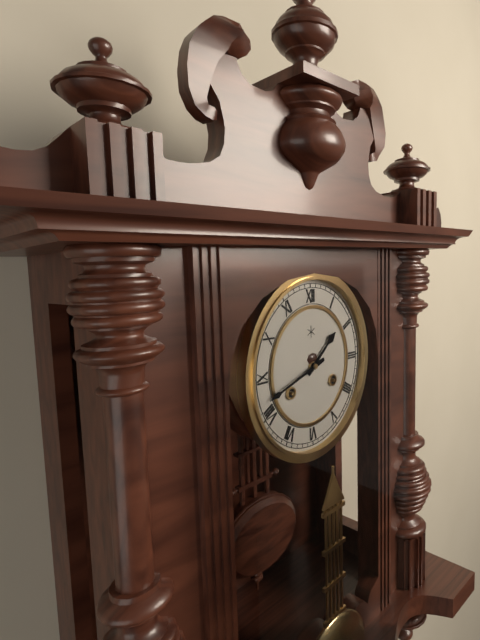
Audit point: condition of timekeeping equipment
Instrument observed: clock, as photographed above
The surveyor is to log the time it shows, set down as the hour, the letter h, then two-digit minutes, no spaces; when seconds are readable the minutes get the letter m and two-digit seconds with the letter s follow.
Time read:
1h42
